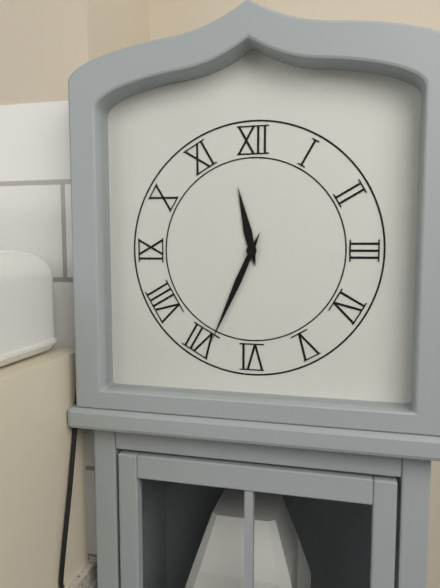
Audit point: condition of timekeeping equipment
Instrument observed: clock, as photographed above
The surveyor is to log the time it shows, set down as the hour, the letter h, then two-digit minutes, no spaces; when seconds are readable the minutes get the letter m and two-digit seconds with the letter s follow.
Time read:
11h34
